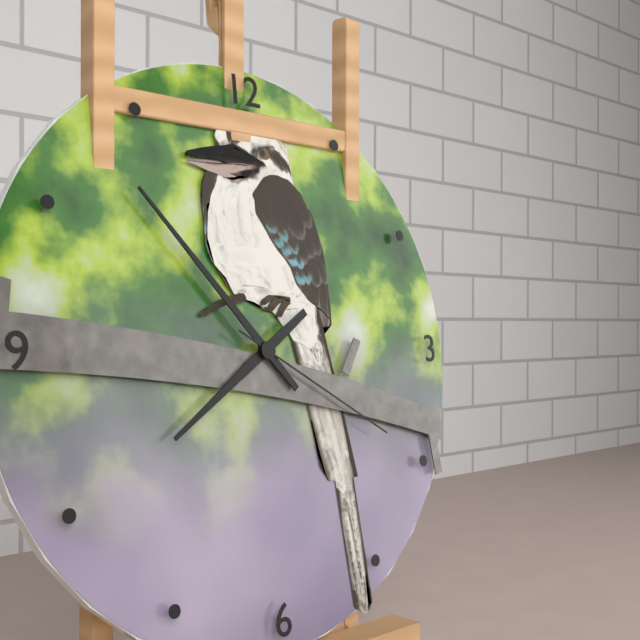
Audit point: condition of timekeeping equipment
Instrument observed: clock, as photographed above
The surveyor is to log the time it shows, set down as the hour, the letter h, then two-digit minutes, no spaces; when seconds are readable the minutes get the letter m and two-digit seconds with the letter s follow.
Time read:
7h53m20s
